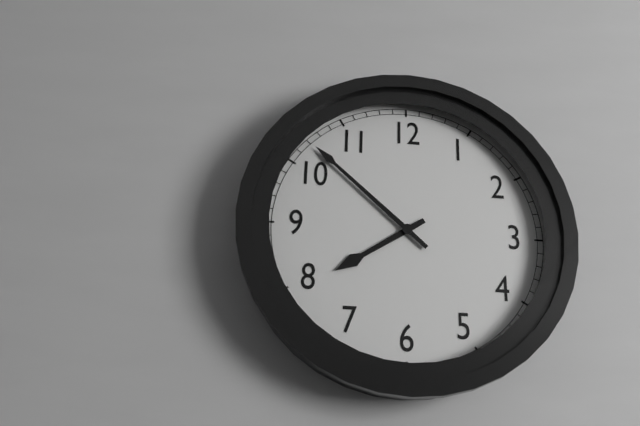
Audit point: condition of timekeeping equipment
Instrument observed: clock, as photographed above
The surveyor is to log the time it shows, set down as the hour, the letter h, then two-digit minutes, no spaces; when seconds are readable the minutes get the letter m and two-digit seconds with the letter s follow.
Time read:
7h52
